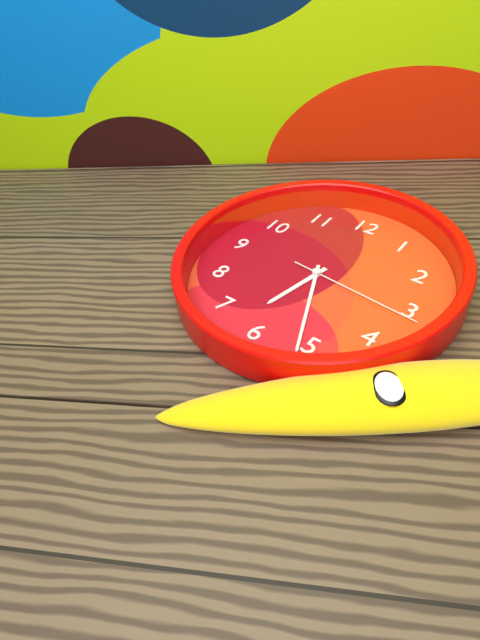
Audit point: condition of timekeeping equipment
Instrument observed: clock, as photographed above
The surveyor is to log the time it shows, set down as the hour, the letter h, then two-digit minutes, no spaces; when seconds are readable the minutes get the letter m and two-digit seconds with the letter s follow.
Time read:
6h26m16s
